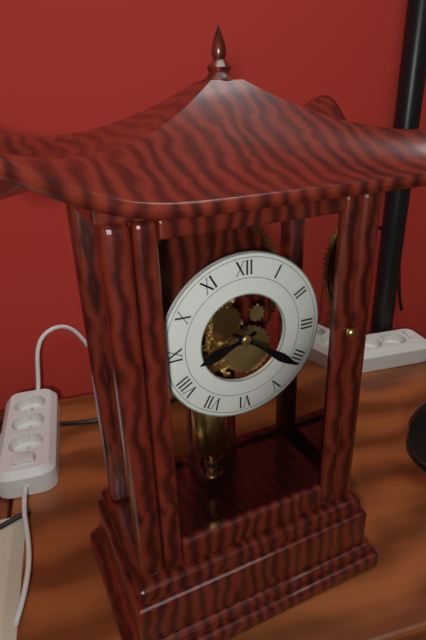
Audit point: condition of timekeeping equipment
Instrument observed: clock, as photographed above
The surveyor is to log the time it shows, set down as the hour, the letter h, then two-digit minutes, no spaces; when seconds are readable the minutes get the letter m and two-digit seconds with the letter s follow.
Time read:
8h21
